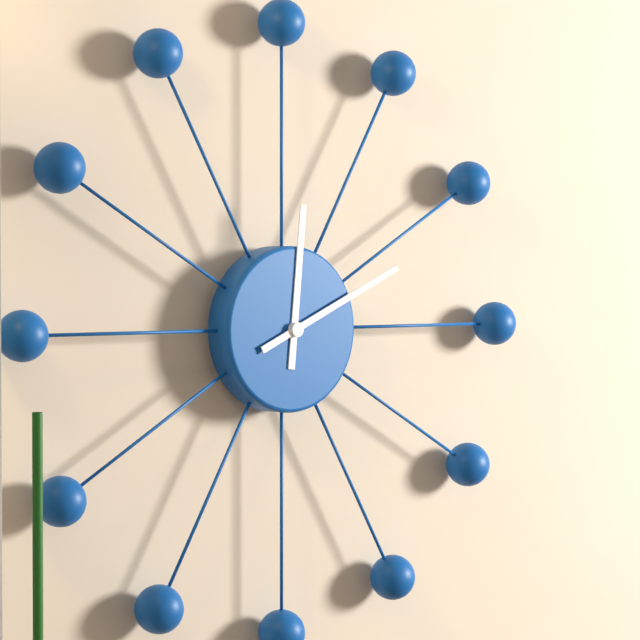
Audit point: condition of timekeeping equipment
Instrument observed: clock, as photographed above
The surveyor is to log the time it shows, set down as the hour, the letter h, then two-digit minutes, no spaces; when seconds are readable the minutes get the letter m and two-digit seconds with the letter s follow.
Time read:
12h11
